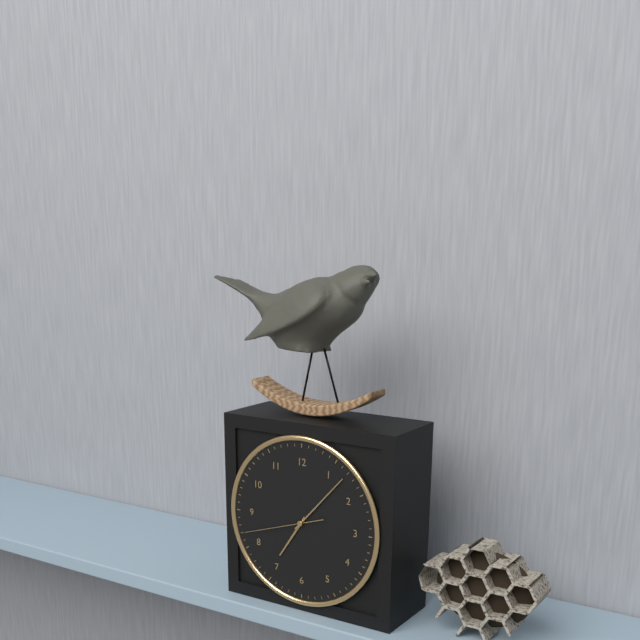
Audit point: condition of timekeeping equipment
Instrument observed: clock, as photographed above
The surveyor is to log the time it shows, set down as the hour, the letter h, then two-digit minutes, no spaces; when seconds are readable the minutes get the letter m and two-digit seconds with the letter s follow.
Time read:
7h07m42s
